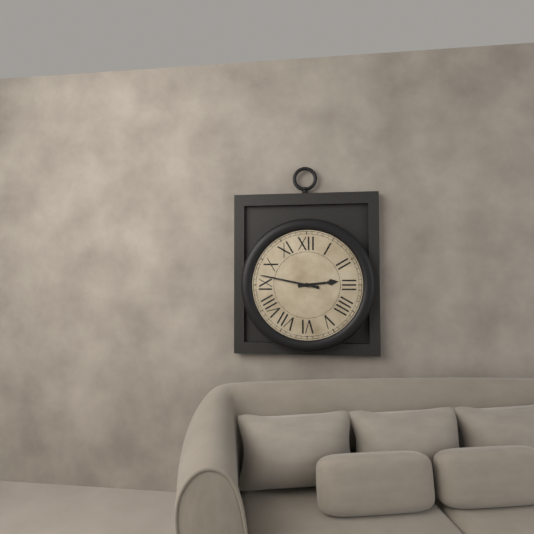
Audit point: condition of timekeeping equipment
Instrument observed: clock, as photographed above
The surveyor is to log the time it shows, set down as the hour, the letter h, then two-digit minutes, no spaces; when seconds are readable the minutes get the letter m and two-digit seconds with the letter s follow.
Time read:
2h47
